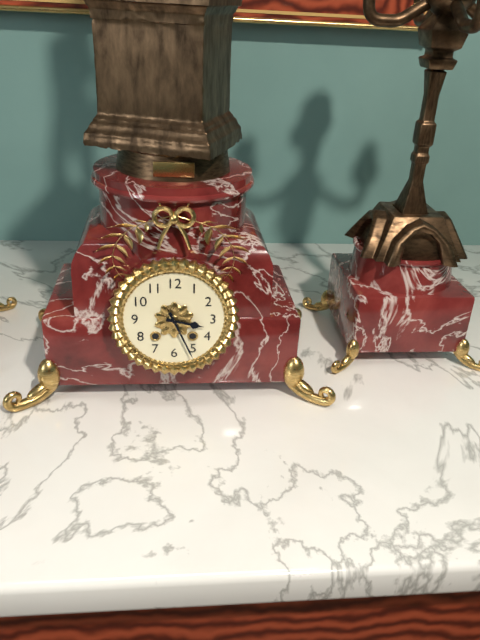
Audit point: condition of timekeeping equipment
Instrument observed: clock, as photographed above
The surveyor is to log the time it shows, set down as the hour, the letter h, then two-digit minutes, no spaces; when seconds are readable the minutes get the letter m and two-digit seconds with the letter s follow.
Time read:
3h26
